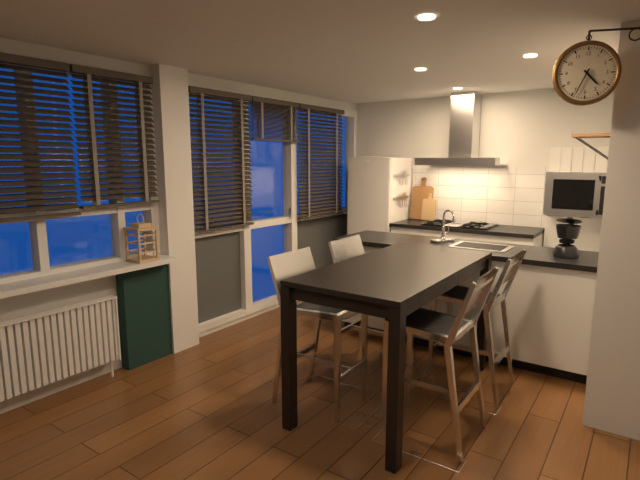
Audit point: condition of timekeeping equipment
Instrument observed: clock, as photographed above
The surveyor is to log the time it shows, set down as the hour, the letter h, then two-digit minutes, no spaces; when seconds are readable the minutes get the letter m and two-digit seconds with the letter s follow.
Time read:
4h34
